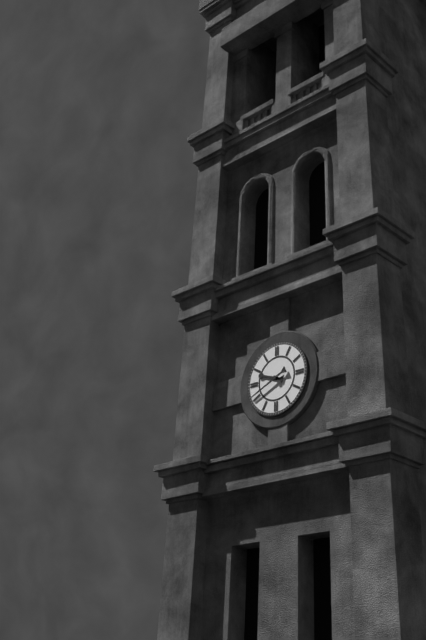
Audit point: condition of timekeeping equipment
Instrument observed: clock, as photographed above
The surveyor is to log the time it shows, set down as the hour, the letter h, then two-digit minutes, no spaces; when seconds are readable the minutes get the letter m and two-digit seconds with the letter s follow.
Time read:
9h41
